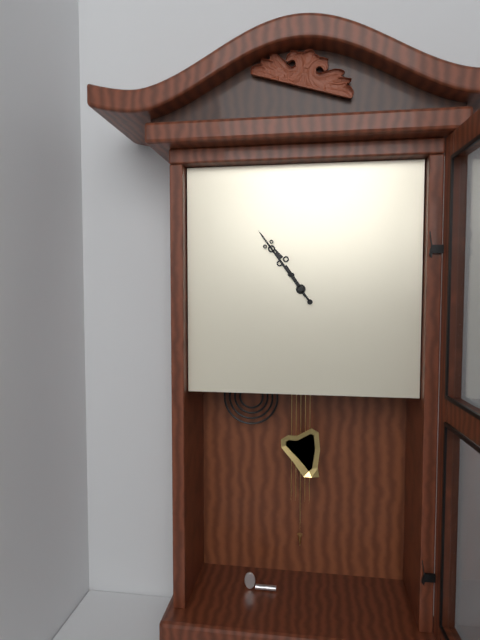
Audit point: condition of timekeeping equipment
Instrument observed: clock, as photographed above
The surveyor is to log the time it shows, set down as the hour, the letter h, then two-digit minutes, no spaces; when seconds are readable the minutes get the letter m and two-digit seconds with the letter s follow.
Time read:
10h54
